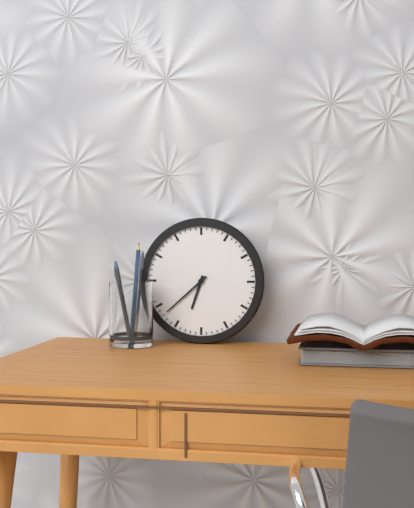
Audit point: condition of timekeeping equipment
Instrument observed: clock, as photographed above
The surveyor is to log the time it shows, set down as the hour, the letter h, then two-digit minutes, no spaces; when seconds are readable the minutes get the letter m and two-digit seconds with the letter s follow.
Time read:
6h38
